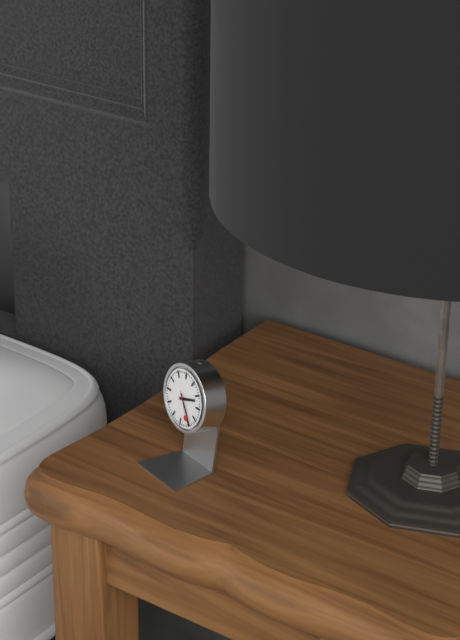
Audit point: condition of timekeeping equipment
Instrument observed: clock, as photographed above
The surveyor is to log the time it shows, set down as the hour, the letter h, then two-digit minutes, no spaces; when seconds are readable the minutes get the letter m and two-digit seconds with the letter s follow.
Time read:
2h24
